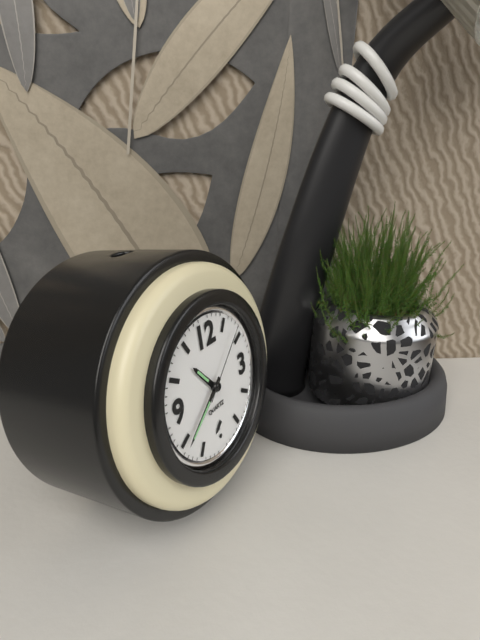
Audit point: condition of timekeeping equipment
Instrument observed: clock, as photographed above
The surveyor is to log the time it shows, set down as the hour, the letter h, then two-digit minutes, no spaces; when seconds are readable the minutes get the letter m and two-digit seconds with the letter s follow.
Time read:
10h39m08s
